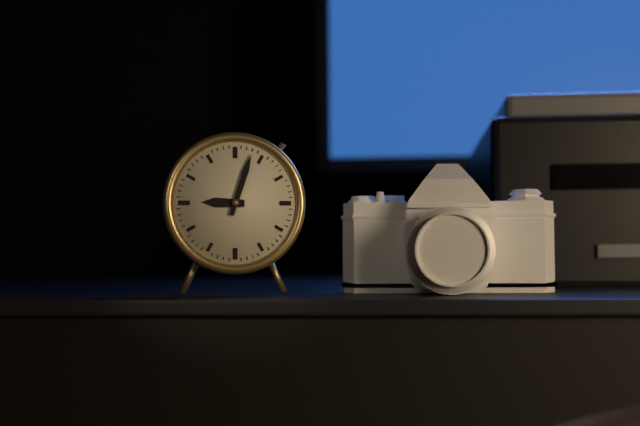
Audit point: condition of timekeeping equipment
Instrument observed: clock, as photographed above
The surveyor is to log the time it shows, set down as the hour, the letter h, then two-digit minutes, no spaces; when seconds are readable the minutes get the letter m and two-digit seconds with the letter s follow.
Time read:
9h03
